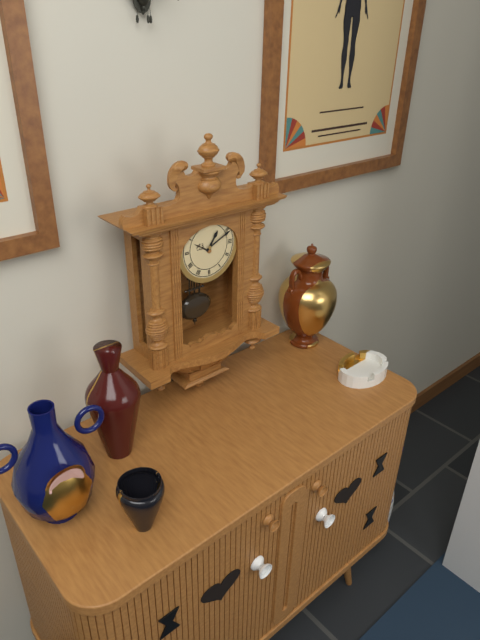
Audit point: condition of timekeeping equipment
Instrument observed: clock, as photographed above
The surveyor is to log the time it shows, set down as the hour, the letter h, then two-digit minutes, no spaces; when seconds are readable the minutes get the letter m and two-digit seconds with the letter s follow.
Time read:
1h11
